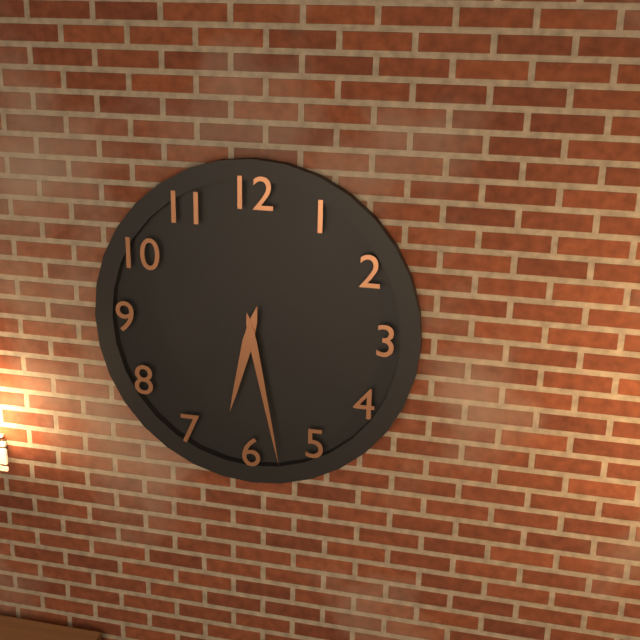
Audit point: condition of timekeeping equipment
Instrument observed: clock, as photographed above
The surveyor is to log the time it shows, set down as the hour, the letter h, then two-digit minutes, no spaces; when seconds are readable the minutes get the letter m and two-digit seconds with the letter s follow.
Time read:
6h28
